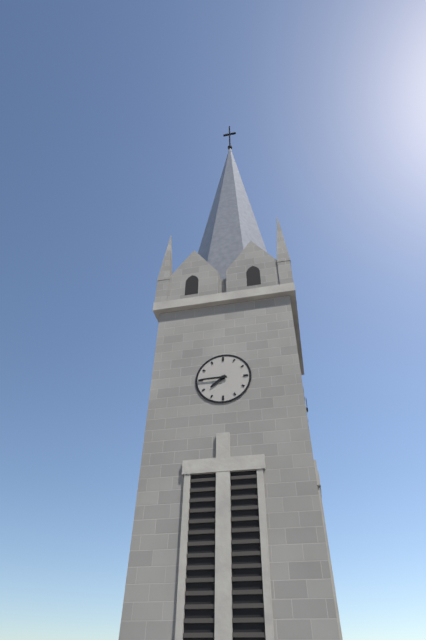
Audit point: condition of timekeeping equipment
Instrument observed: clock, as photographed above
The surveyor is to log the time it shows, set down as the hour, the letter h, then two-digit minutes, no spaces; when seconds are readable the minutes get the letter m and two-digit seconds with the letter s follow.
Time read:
7h45
